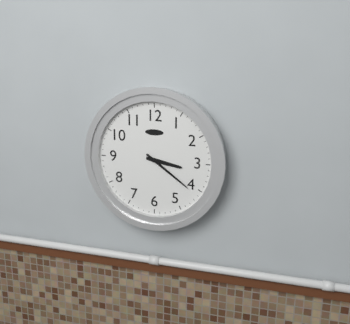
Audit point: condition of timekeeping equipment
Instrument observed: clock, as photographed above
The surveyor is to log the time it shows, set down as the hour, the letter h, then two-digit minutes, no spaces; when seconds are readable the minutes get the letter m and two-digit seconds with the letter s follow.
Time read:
3h21
